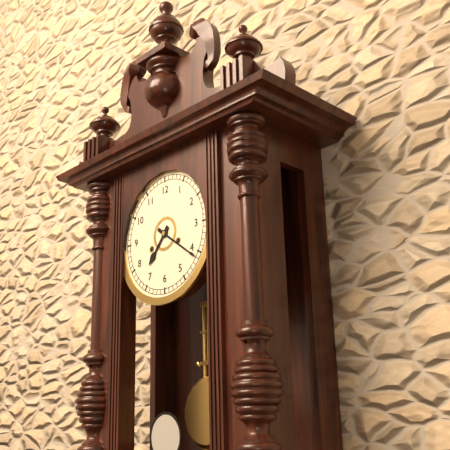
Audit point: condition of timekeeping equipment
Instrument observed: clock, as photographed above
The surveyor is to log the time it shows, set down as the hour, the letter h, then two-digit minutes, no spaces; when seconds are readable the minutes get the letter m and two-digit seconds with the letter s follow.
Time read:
7h21
